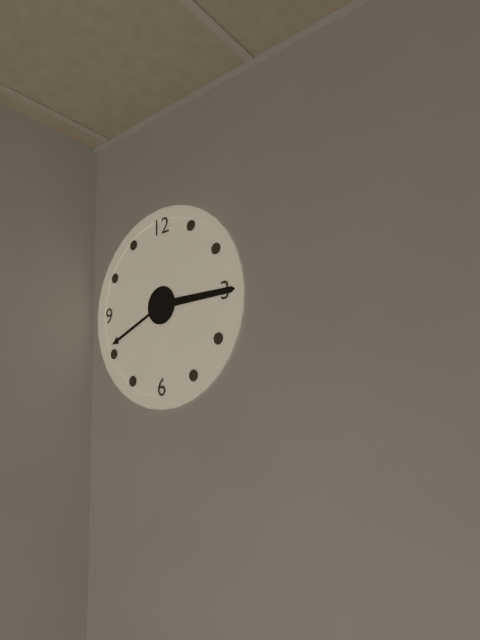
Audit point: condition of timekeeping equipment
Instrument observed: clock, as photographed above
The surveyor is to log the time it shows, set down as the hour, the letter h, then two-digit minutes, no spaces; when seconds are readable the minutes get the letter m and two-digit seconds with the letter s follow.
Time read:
8h15
